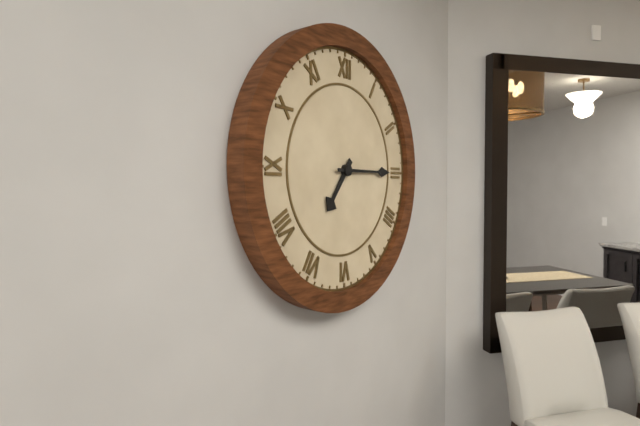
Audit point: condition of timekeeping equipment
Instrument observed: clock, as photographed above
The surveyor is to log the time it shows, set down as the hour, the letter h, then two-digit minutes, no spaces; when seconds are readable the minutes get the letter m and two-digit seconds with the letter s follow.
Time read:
7h15
